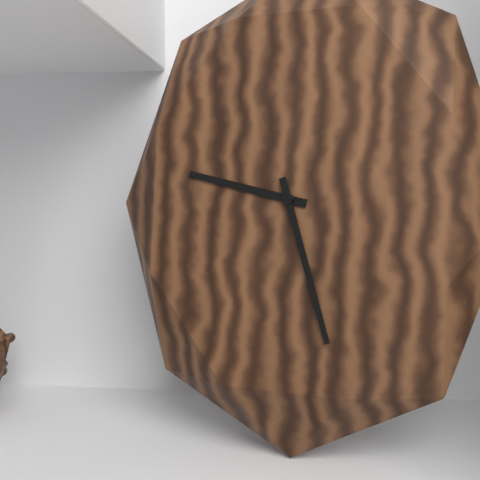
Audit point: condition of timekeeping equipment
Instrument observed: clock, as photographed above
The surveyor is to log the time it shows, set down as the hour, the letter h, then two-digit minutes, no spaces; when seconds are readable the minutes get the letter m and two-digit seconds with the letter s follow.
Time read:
9h27
